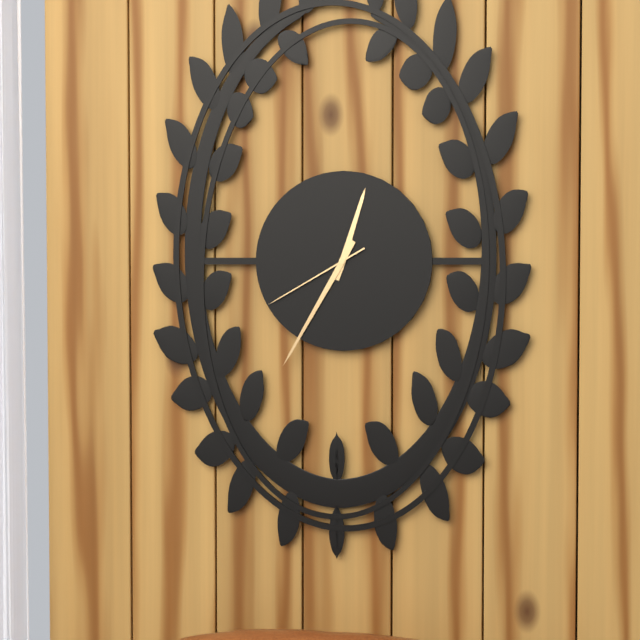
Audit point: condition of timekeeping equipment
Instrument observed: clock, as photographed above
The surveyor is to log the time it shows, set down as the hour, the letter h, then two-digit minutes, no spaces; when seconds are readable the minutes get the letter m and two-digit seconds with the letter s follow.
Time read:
12h35m40s
